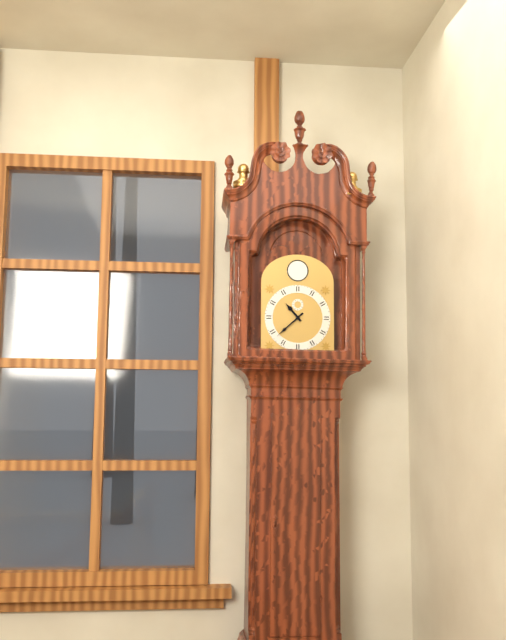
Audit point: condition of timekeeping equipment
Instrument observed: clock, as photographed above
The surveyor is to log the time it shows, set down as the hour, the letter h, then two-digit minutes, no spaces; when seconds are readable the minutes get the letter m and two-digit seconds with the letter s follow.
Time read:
10h38
